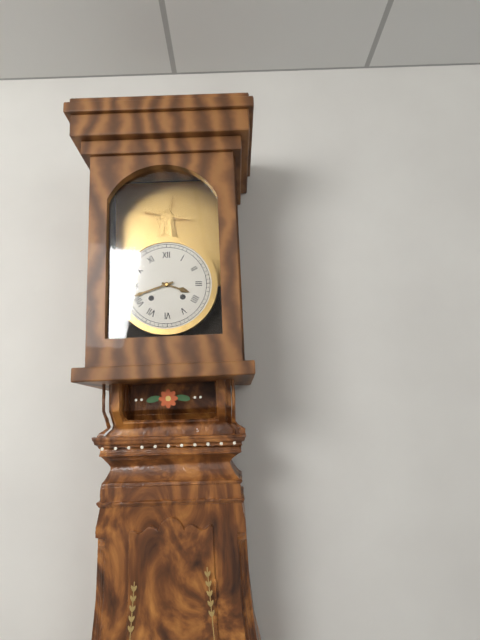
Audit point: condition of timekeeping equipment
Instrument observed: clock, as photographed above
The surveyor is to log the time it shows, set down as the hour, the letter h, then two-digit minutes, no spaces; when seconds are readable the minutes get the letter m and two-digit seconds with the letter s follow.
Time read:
3h42
